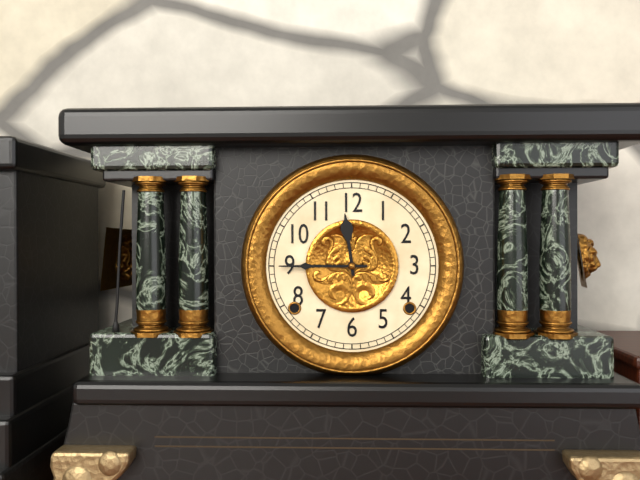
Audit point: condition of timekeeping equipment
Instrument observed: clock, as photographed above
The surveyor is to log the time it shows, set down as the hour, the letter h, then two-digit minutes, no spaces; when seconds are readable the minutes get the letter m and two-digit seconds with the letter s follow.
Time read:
11h45
